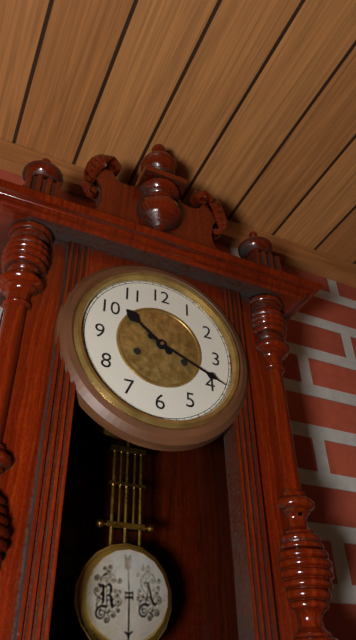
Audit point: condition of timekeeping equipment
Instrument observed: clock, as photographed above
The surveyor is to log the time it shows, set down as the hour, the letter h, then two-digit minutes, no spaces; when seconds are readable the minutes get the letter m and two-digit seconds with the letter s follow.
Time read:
10h19
